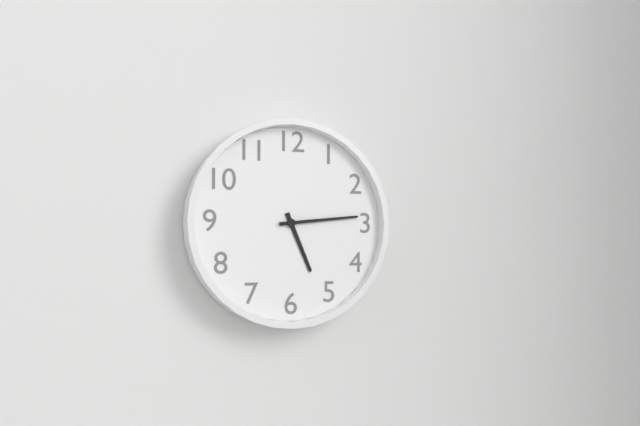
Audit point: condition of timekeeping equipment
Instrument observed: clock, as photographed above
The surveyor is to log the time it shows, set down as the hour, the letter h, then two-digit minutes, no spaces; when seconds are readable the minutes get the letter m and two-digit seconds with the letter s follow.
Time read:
5h14
